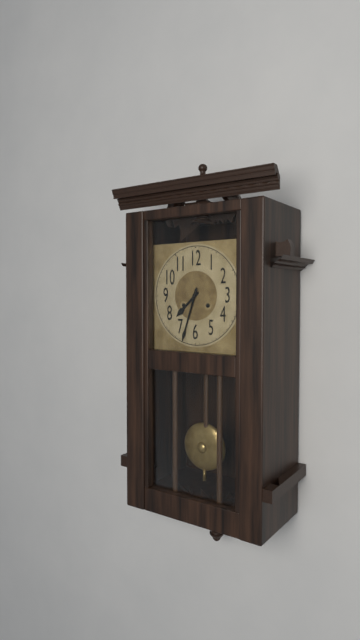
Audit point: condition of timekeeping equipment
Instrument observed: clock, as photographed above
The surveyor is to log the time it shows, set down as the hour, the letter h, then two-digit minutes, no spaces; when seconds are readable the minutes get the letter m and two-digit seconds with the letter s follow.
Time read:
7h33
